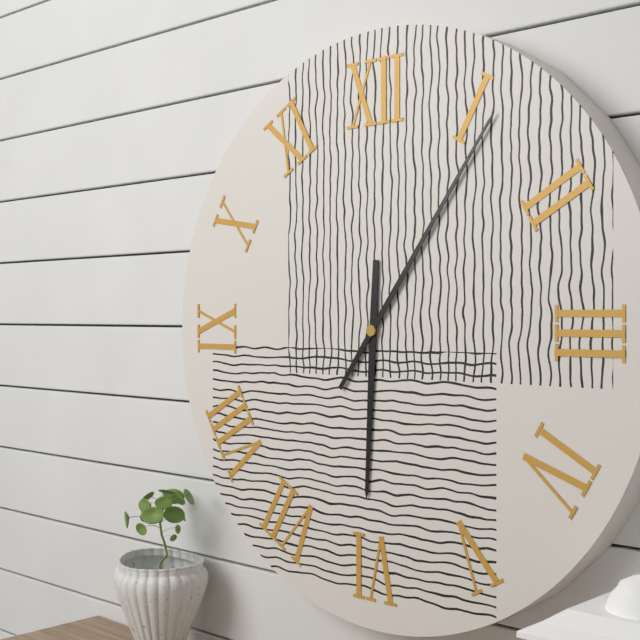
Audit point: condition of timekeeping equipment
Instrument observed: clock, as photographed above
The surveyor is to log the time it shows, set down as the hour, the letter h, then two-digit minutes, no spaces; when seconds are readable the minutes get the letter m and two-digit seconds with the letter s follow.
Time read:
6h06
